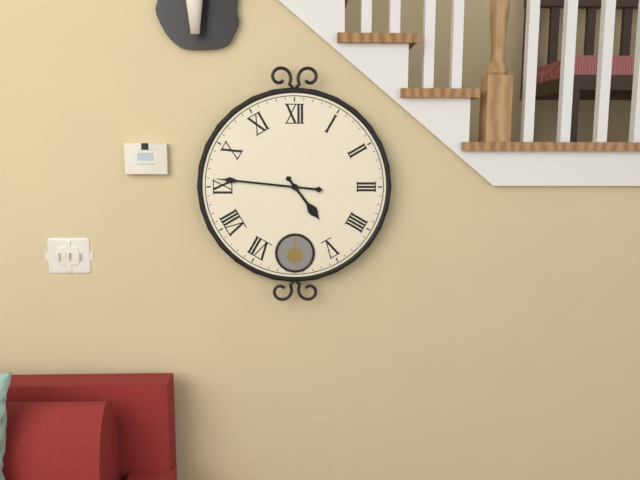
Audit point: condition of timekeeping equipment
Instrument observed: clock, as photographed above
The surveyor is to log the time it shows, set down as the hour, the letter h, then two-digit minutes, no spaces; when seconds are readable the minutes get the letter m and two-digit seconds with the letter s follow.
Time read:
4h46
